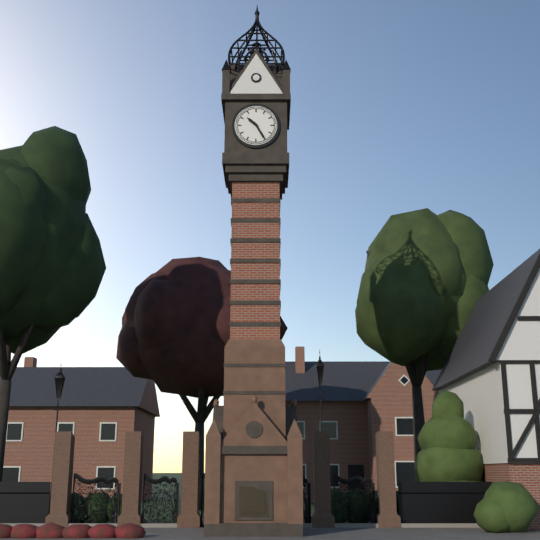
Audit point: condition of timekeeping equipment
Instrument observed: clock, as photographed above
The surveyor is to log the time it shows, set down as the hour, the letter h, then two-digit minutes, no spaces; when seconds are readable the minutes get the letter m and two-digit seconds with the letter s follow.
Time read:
10h25
